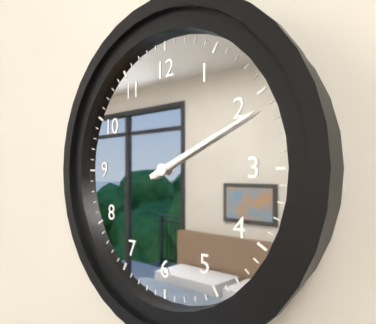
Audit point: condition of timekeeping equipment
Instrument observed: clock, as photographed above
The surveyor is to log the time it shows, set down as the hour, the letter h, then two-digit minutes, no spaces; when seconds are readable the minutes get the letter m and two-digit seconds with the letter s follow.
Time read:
2h11
